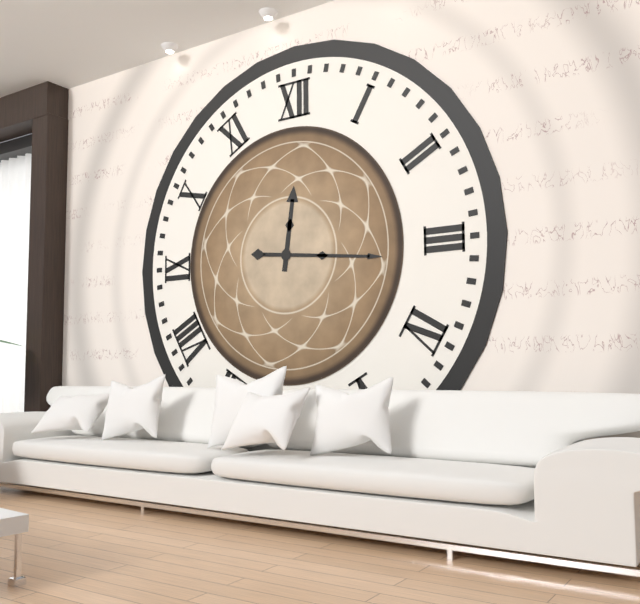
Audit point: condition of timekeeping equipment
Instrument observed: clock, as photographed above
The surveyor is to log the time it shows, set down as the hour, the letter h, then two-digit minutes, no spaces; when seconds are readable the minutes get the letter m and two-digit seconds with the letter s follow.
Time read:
12h16
